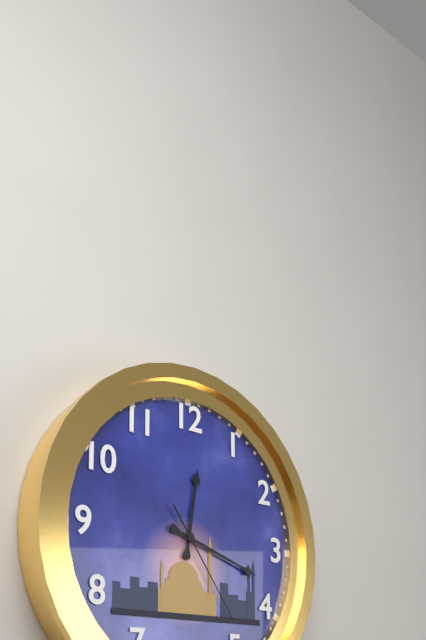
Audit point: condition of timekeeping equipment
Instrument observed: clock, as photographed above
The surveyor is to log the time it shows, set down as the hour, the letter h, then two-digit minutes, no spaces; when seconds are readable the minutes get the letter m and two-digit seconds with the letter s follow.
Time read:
12h18m24s
